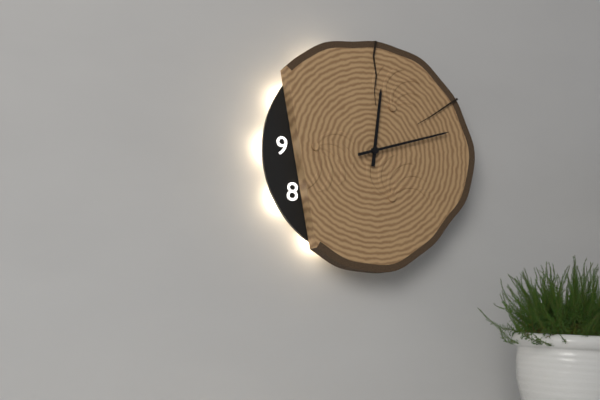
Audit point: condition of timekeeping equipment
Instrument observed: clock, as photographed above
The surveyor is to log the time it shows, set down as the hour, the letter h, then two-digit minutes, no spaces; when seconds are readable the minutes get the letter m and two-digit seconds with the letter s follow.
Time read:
12h12
